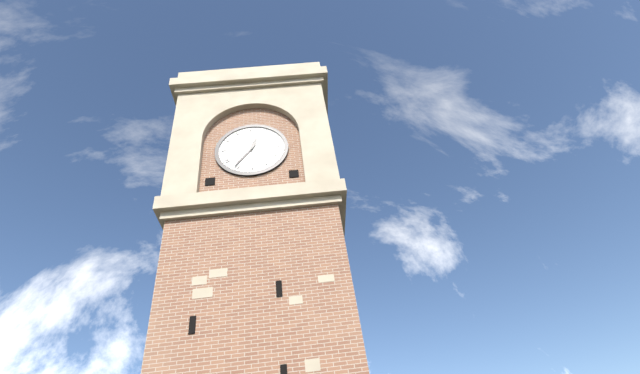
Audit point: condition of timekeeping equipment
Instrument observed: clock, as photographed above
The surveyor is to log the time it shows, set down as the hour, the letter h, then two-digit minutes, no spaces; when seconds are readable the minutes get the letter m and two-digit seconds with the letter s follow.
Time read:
12h36
